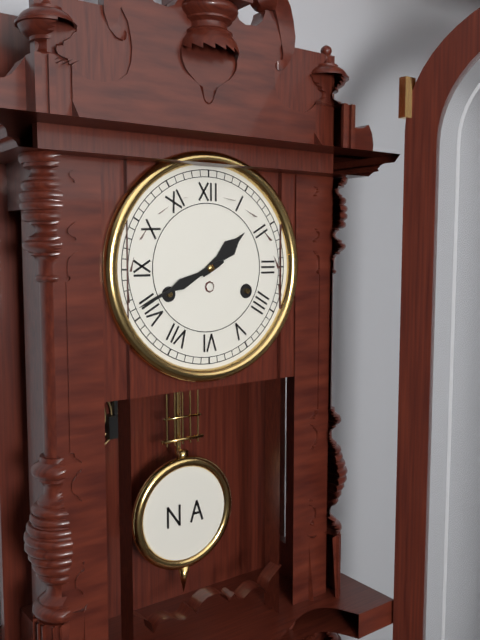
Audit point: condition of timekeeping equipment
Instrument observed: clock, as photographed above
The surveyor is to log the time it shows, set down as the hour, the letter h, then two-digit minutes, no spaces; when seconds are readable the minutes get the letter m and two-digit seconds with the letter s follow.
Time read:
1h41
